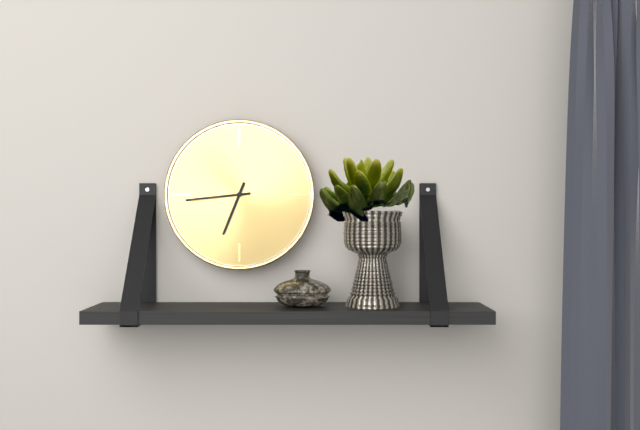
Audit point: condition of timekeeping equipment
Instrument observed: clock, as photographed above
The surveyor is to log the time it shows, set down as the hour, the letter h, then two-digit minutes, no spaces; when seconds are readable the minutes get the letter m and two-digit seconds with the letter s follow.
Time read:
6h44
